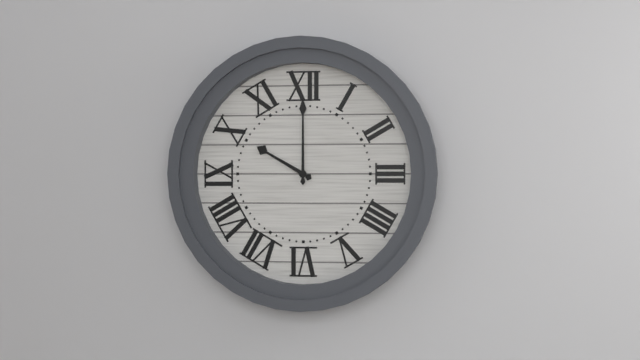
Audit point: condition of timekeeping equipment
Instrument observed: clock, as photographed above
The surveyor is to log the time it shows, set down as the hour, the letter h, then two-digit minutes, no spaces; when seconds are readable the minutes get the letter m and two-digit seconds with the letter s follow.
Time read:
10h00
